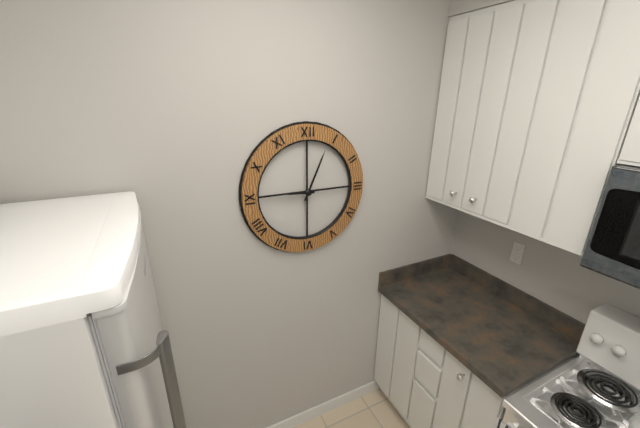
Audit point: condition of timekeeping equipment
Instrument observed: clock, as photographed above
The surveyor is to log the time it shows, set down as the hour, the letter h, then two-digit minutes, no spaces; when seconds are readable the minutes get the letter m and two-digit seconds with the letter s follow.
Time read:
9h04
